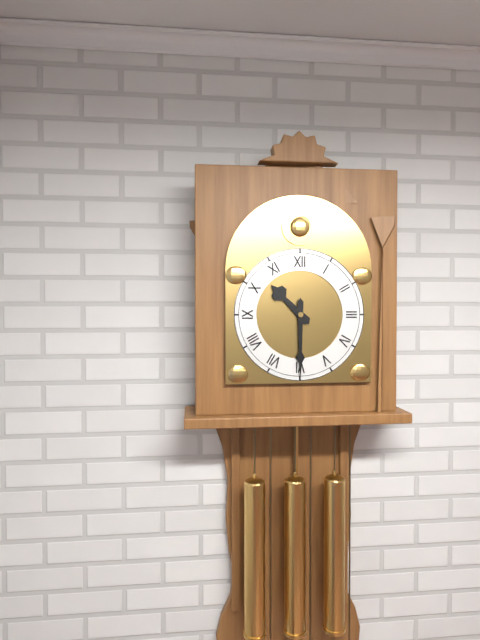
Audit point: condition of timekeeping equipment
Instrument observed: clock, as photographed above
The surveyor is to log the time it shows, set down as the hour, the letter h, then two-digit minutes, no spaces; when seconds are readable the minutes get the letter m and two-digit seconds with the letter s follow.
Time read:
10h30
